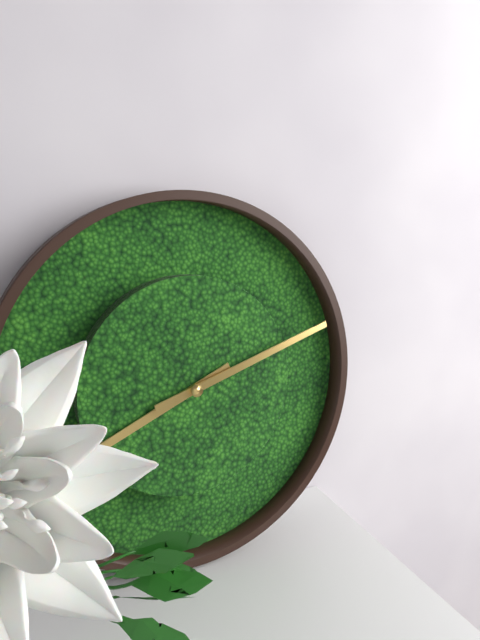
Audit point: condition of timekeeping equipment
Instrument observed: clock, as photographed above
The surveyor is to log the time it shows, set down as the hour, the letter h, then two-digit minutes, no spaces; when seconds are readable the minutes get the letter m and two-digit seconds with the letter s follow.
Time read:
8h12
